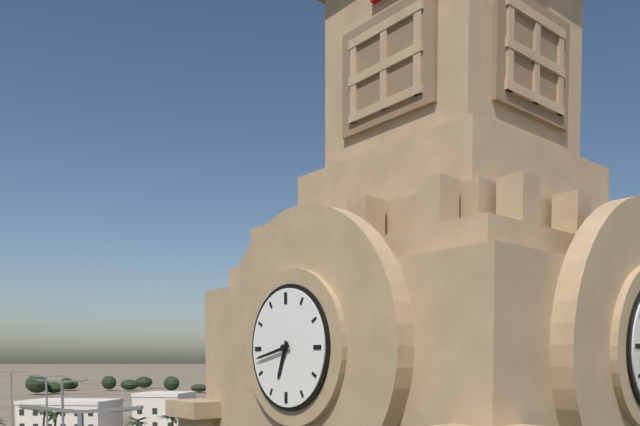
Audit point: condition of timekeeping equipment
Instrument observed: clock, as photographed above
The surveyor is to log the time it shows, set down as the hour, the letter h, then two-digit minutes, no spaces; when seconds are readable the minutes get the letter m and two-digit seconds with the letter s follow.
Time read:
6h43
